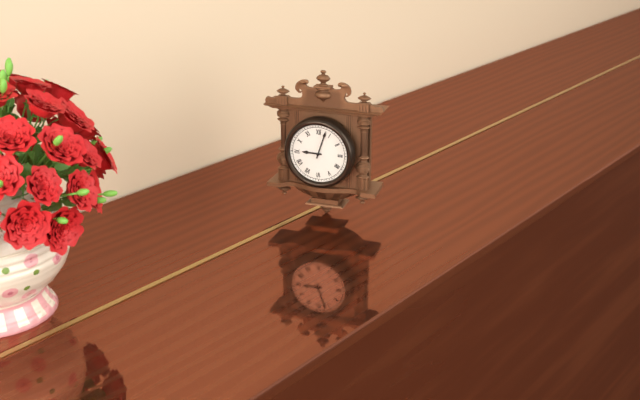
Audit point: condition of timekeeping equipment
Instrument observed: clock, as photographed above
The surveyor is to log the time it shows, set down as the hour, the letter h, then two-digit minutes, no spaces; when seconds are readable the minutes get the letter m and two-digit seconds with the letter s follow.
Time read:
9h03
